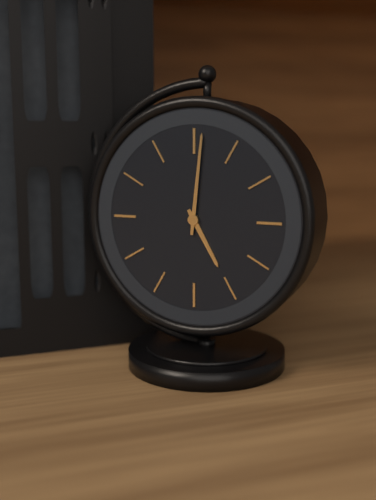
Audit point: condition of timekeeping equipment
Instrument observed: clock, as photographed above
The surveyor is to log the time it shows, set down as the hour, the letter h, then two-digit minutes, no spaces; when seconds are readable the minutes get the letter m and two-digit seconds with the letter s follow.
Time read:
5h01
